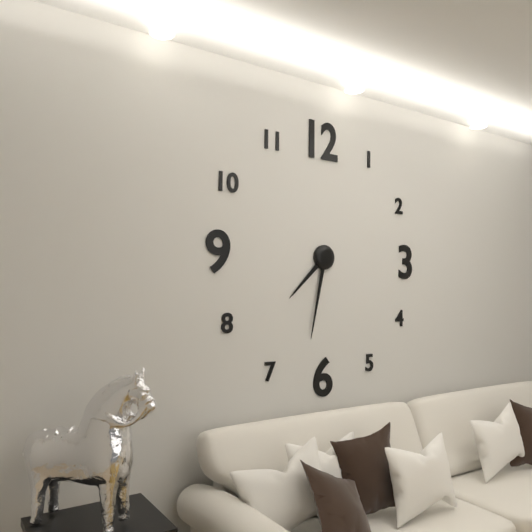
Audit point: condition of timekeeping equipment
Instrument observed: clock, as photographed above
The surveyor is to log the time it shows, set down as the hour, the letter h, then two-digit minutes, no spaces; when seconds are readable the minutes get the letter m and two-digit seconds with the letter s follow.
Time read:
7h32
